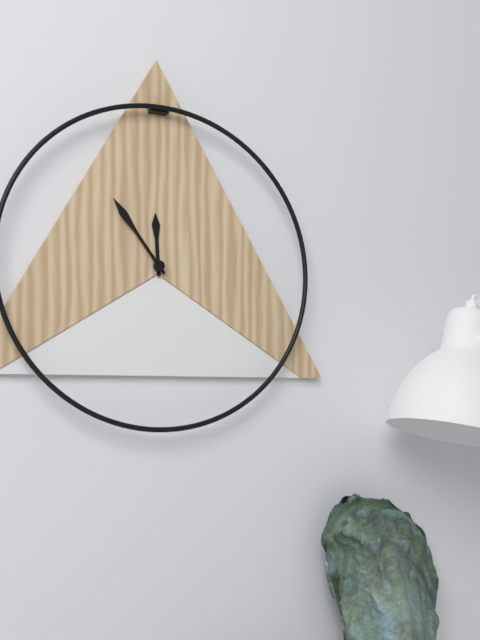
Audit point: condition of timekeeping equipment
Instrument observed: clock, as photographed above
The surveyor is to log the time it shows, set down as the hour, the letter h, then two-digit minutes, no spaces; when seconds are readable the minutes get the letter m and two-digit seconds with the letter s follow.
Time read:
11h54
